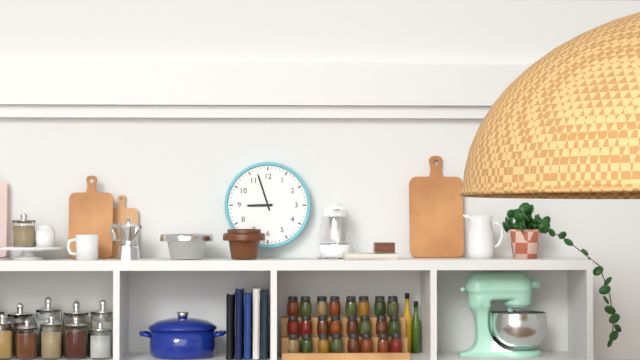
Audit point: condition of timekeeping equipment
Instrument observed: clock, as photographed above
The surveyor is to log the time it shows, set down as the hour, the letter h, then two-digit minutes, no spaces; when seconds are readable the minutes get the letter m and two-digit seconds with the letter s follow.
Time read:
8h57
